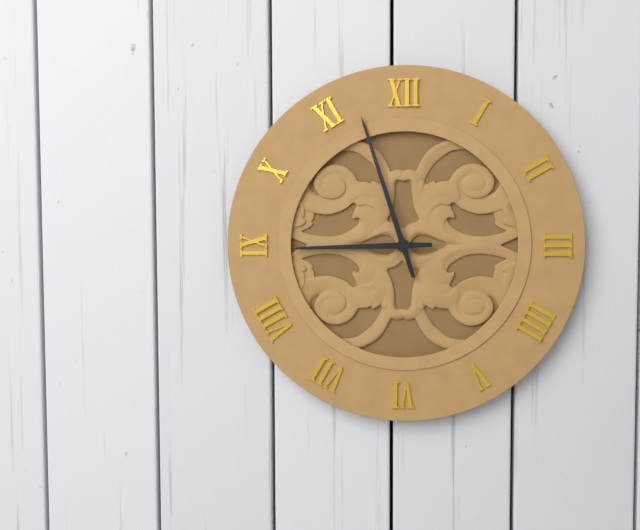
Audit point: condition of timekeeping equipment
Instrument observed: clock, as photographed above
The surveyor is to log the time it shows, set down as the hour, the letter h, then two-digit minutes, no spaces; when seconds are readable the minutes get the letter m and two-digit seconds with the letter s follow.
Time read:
8h57
